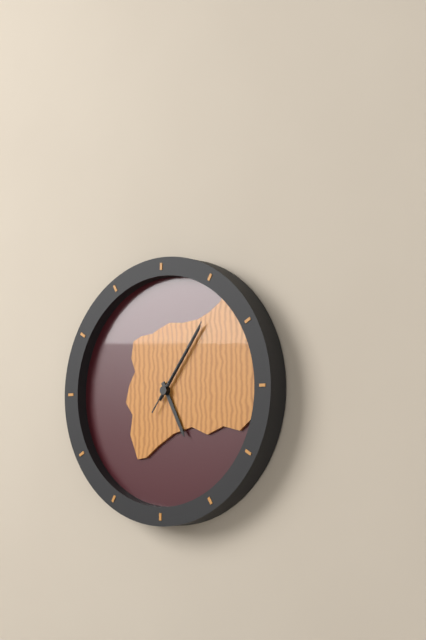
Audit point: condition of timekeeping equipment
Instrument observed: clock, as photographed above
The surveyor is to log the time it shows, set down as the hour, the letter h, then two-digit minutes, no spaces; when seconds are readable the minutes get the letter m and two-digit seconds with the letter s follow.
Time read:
5h06m06s
